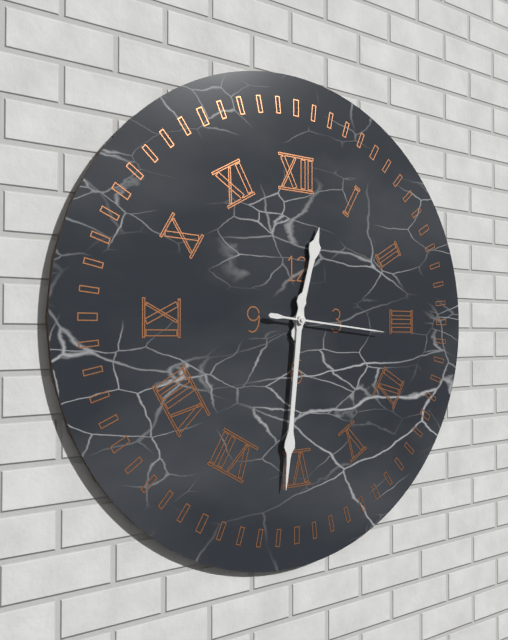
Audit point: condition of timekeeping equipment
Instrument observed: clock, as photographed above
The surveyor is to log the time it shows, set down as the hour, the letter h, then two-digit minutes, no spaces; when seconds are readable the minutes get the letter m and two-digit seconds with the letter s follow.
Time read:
12h31m16s
